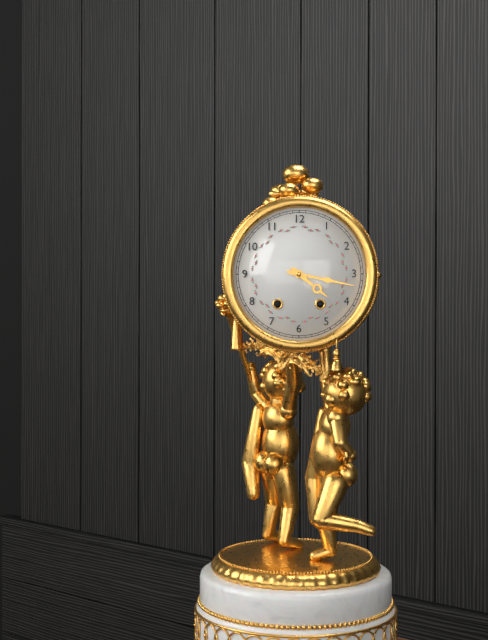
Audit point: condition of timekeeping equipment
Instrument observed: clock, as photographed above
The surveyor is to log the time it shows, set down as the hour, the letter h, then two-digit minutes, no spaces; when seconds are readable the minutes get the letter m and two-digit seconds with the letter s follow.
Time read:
4h17
